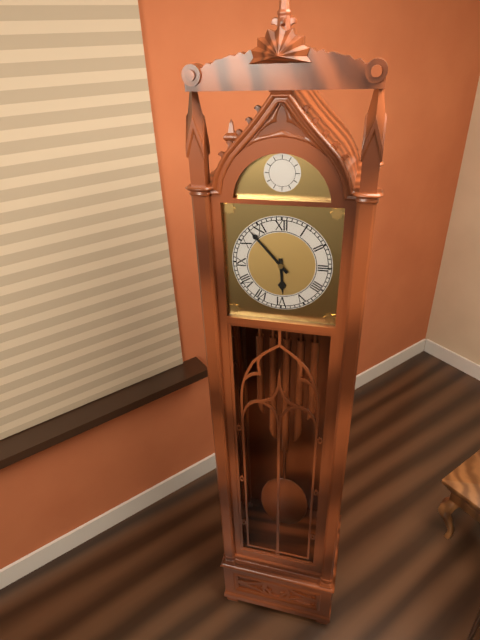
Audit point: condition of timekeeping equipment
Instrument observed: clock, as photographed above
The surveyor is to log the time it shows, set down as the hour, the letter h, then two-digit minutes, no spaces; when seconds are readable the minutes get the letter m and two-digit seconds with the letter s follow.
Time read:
5h53
